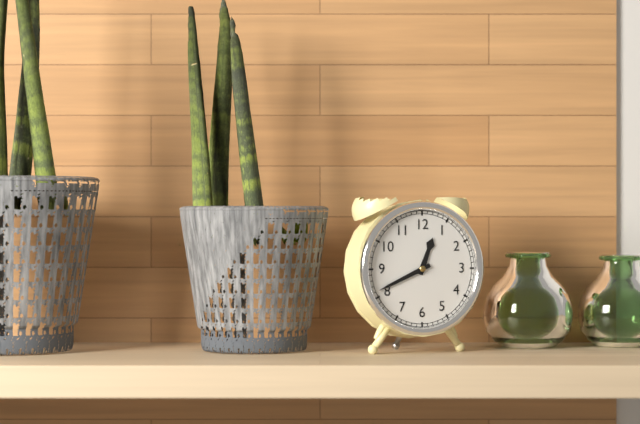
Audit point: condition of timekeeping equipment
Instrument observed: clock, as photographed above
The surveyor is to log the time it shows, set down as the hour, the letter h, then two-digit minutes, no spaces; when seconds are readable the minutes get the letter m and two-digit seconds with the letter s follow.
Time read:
12h41
